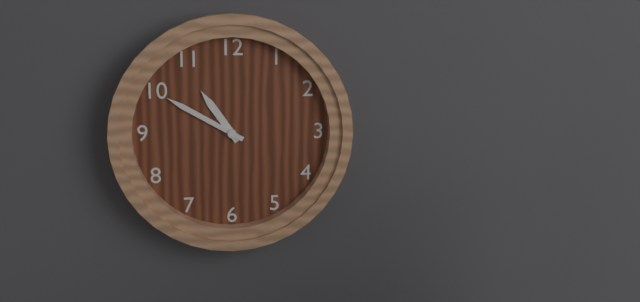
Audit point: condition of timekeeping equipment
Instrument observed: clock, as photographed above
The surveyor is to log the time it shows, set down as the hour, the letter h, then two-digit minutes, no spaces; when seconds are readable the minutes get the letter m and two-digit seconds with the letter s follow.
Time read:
10h50
